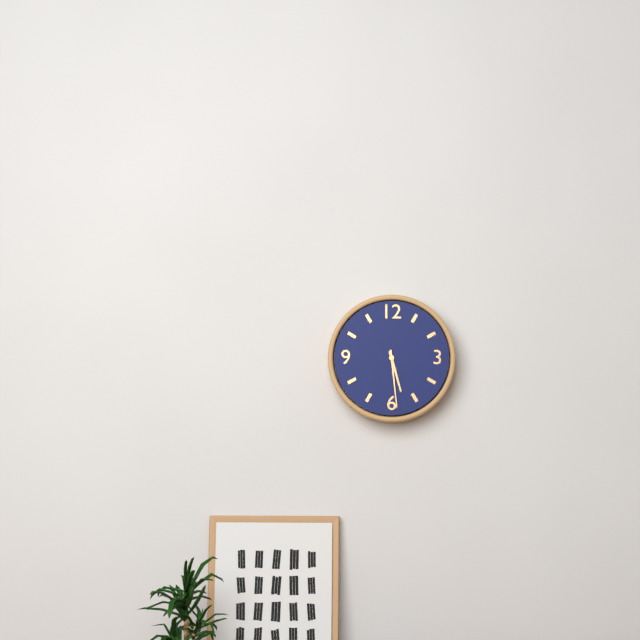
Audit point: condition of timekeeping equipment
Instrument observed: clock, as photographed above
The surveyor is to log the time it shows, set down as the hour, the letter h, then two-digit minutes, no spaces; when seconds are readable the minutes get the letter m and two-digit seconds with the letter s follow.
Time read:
5h29
